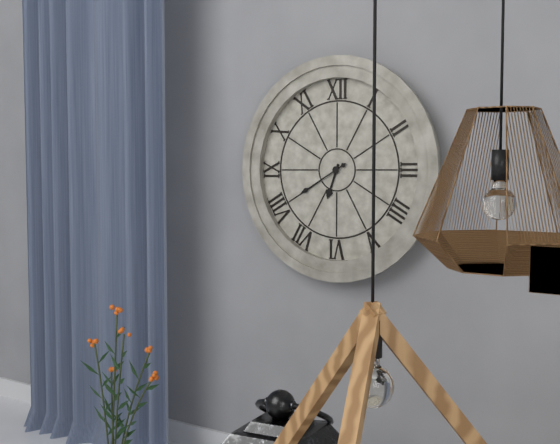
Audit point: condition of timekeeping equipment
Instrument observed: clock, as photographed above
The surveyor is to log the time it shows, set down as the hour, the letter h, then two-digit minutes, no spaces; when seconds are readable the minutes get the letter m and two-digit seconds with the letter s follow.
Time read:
6h40
